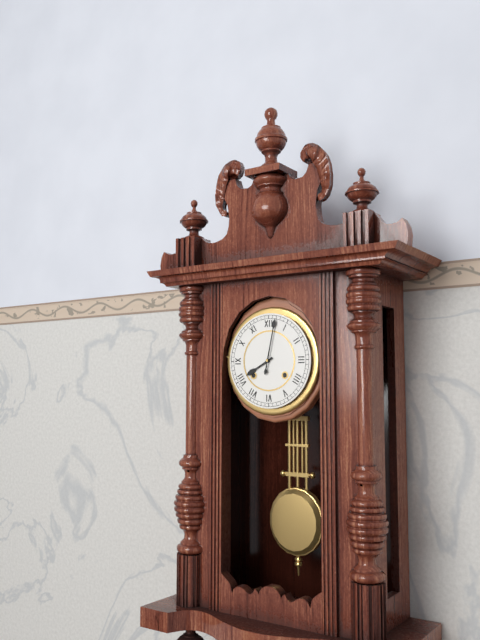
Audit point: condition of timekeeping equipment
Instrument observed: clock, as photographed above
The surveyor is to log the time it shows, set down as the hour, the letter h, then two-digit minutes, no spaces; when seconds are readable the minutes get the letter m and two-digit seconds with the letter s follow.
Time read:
8h02
